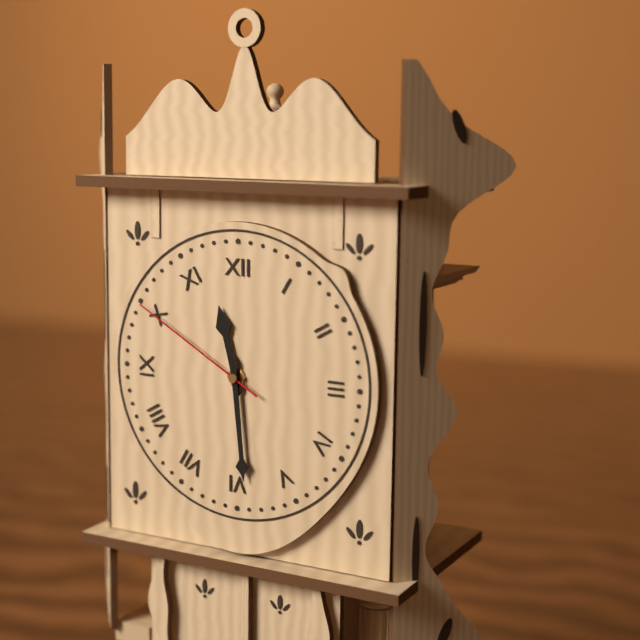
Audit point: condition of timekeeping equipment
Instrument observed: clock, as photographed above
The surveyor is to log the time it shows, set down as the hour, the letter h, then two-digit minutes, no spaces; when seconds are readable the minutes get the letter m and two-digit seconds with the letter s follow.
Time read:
11h29m50s
